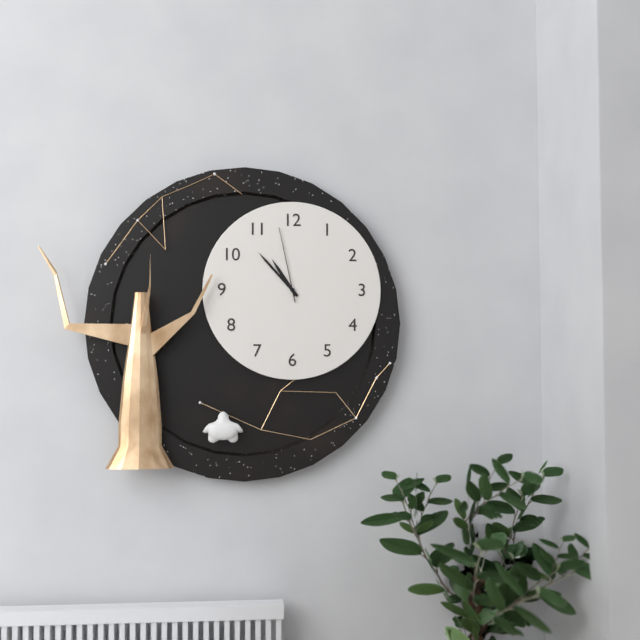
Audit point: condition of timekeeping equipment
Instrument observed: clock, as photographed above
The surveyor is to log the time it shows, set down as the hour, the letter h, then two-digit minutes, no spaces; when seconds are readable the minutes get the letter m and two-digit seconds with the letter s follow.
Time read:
10h53m58s
